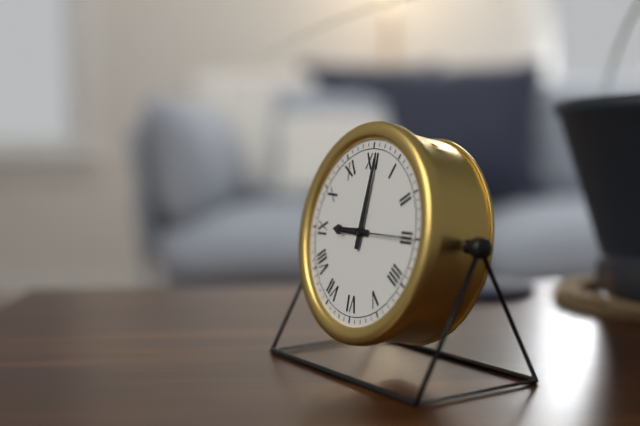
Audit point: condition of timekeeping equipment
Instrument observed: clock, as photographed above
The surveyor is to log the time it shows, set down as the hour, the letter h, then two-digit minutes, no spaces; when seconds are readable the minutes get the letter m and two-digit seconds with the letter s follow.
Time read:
9h01m15s
